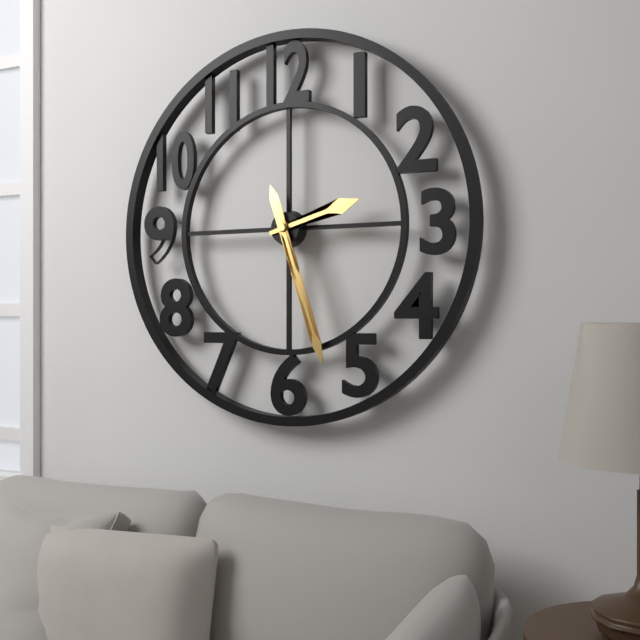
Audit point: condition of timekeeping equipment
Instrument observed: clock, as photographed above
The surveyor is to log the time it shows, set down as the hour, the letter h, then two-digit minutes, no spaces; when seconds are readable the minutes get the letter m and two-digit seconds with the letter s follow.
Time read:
2h27
